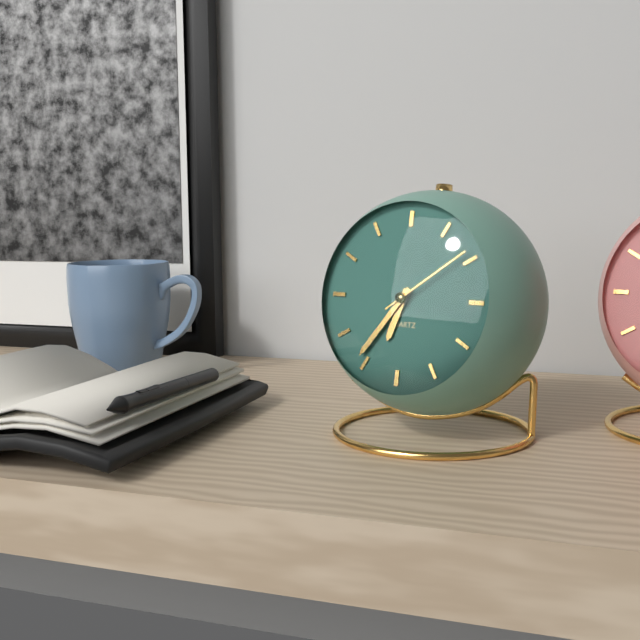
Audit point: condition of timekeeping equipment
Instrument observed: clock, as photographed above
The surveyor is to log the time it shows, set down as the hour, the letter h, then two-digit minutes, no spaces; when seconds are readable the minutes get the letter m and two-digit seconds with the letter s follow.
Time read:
6h36m09s
